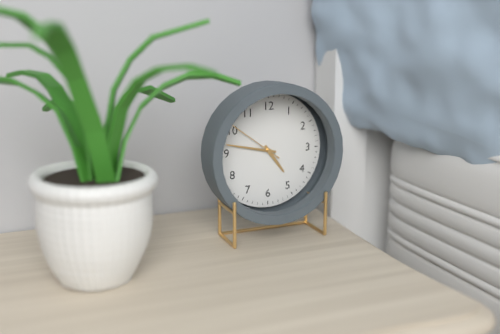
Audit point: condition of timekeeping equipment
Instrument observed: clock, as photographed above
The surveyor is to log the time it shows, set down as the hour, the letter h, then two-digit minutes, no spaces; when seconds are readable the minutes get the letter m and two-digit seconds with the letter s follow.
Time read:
4h47m51s
